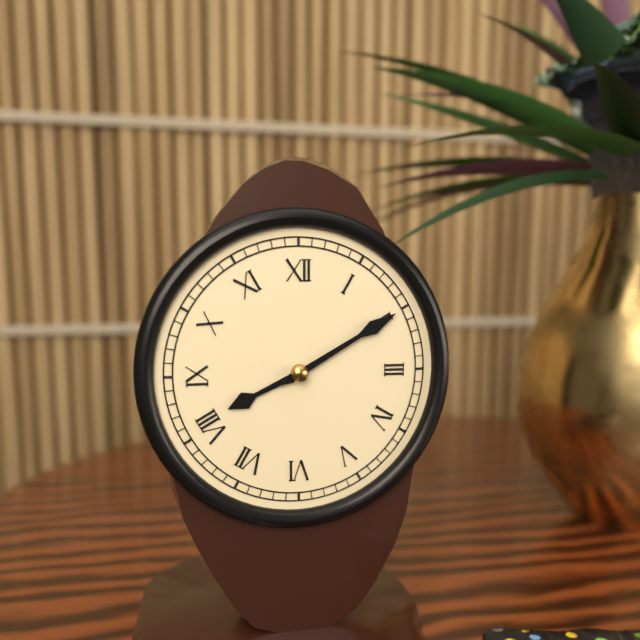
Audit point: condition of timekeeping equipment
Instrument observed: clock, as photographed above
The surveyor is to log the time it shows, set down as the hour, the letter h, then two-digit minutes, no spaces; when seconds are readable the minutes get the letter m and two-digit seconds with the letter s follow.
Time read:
8h10
